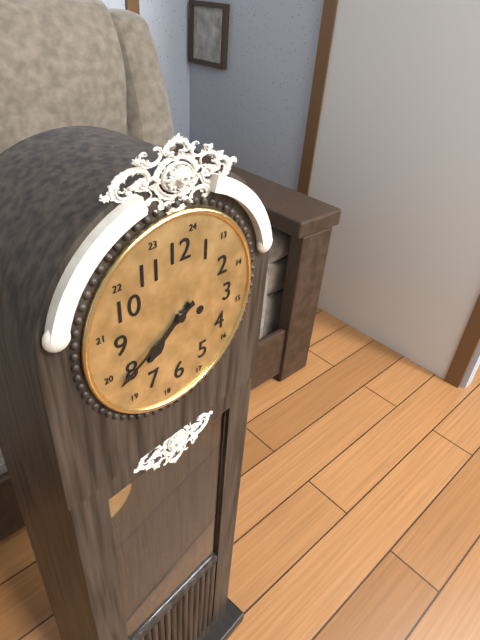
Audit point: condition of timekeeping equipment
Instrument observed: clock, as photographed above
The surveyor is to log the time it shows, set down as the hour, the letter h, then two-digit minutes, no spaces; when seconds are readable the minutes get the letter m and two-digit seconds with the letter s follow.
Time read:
7h40
